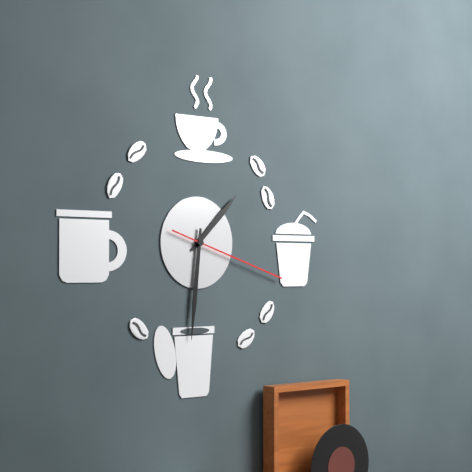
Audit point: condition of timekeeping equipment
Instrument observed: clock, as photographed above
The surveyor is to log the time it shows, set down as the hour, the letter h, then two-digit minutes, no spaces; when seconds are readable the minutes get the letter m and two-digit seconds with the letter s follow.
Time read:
1h31m18s
